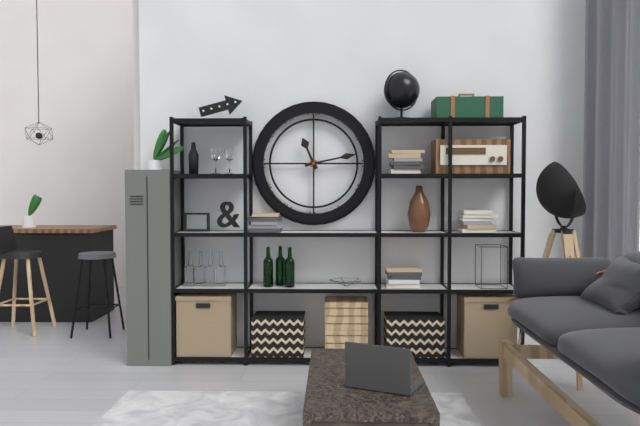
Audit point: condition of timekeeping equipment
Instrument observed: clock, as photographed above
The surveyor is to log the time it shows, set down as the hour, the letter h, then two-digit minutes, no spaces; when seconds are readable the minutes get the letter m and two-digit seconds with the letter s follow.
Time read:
11h13
